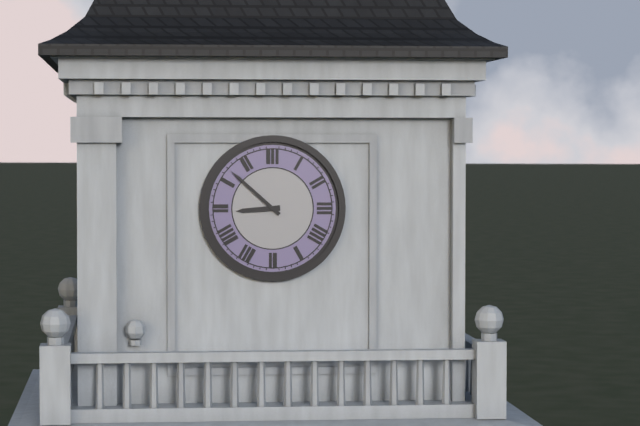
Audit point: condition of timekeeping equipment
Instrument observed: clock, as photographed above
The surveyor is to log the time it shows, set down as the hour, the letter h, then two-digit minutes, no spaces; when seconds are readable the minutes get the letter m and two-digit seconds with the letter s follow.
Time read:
8h52
